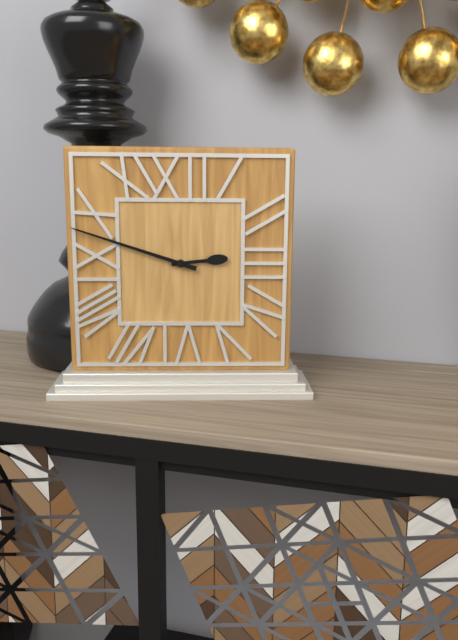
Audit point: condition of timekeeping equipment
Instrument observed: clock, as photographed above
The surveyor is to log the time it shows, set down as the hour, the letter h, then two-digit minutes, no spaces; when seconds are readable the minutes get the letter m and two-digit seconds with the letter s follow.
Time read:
2h48
